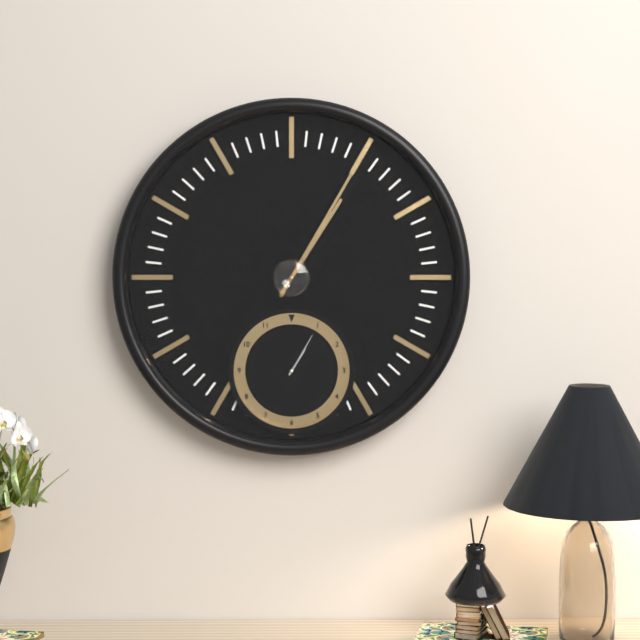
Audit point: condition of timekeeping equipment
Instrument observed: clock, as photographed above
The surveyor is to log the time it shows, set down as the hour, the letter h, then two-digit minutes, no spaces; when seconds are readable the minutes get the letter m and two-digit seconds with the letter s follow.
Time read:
1h05
